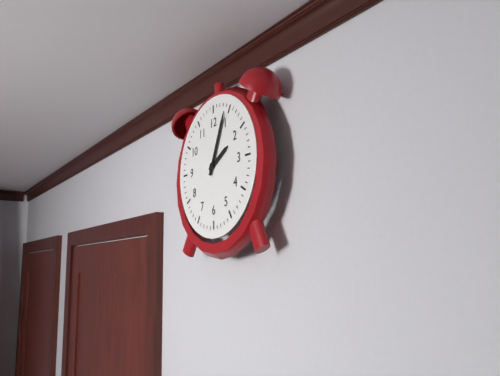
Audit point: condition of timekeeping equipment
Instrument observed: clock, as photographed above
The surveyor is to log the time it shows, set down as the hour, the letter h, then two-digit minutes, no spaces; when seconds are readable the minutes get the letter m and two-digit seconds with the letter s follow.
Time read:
2h04
